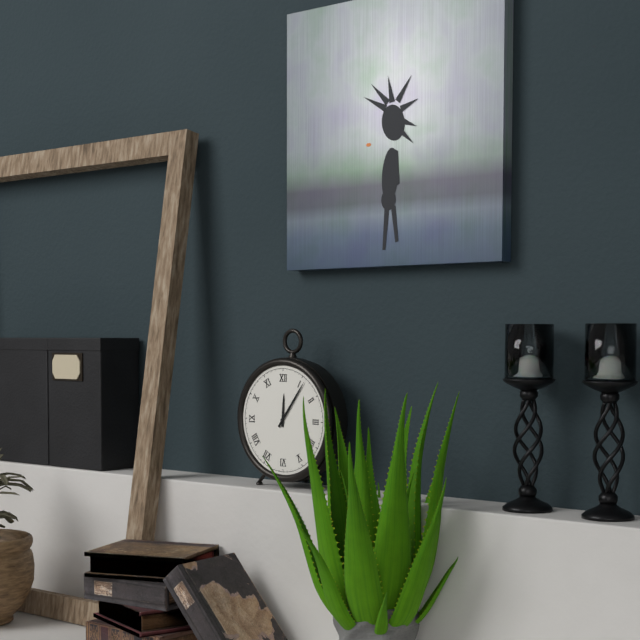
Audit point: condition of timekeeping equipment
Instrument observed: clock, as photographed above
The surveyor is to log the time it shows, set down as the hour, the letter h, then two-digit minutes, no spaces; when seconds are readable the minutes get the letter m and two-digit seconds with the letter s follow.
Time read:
12h06
